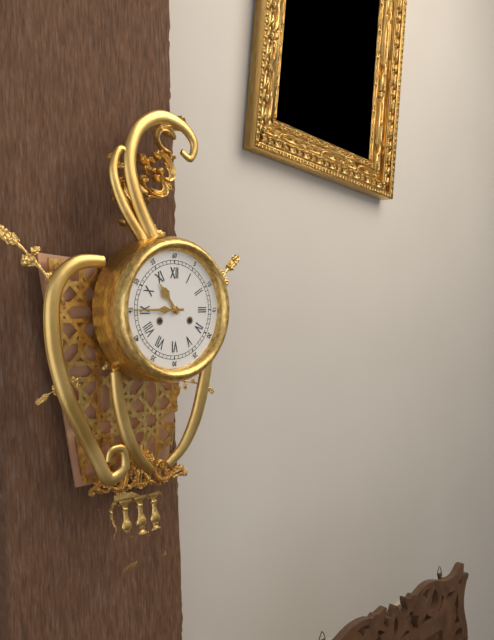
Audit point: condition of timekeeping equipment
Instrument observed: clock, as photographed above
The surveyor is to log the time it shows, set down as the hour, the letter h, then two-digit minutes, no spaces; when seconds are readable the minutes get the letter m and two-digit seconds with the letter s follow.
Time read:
10h45
